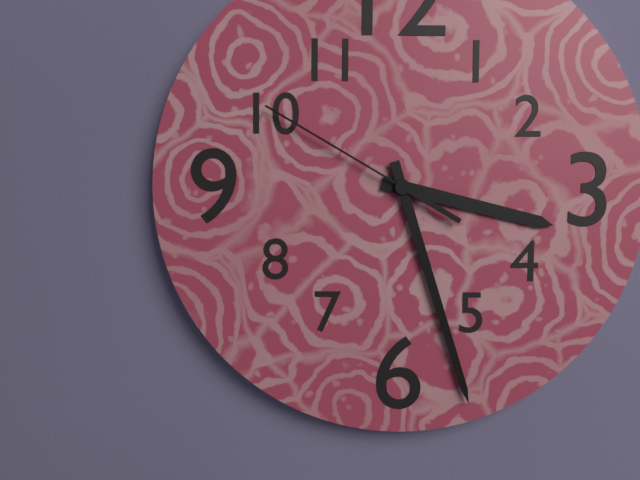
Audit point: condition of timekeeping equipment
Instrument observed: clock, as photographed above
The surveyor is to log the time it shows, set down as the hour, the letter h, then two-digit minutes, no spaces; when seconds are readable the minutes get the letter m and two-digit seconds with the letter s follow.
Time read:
3h27m50s
